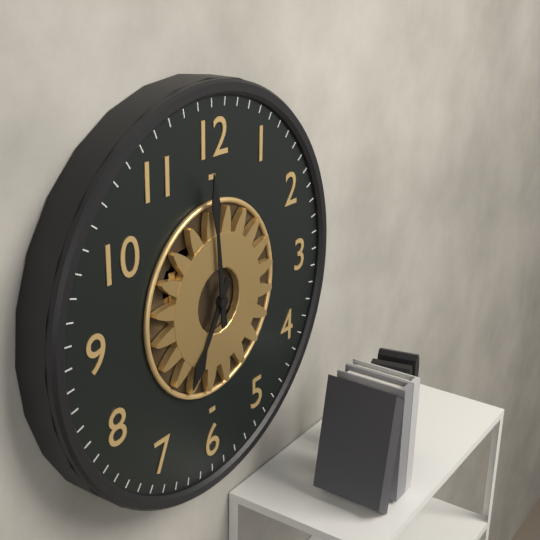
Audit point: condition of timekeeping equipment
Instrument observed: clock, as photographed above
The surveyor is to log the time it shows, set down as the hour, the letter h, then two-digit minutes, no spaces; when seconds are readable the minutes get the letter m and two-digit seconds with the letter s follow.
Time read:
6h59
